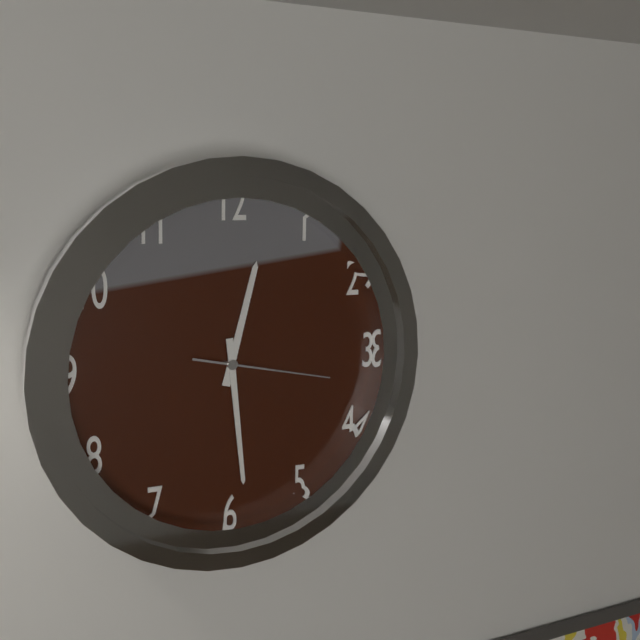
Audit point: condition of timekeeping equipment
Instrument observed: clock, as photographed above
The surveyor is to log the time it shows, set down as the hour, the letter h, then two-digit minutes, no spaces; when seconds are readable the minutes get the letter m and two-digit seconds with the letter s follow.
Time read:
12h29m17s
